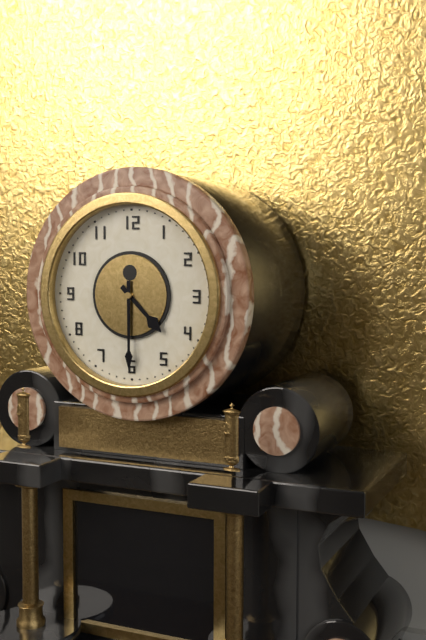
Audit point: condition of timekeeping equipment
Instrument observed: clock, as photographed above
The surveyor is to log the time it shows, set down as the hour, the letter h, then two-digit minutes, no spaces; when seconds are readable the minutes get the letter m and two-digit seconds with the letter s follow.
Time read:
4h30
